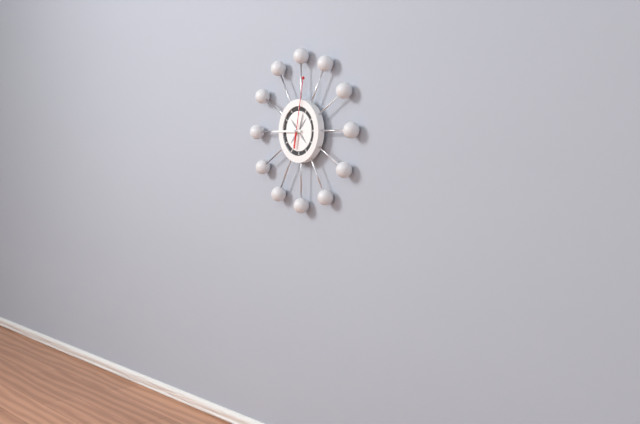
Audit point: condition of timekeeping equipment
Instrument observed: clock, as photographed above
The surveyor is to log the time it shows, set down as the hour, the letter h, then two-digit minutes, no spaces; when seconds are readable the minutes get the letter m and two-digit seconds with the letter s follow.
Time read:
12h45m02s
